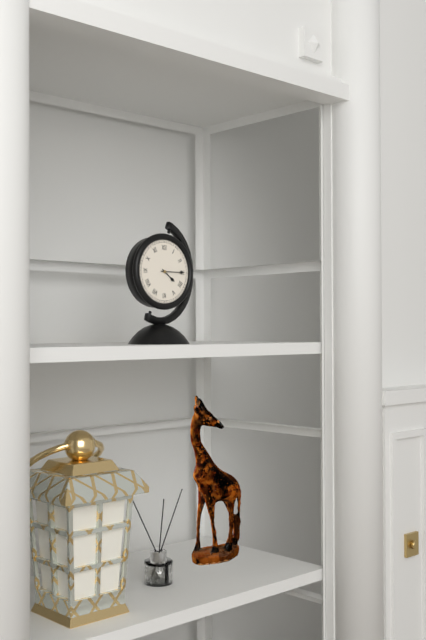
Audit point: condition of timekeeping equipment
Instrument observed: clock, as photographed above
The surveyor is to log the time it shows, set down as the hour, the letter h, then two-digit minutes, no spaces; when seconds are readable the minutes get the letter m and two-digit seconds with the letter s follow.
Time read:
4h15
